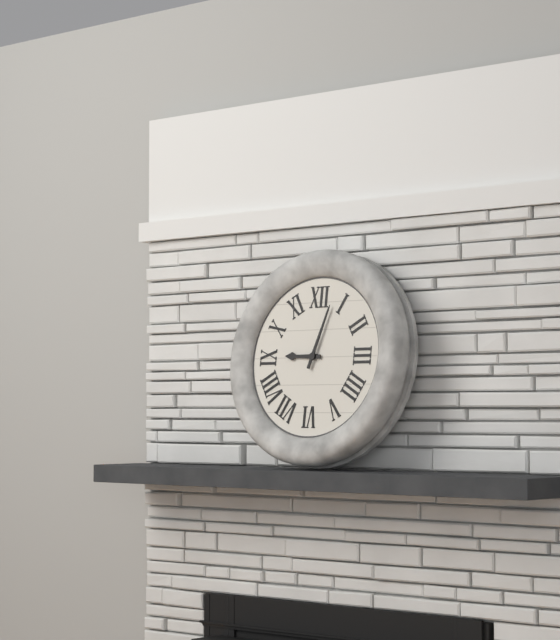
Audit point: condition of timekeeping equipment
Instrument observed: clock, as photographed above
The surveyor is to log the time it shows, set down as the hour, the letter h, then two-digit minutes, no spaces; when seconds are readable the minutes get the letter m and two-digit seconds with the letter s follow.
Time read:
9h03
